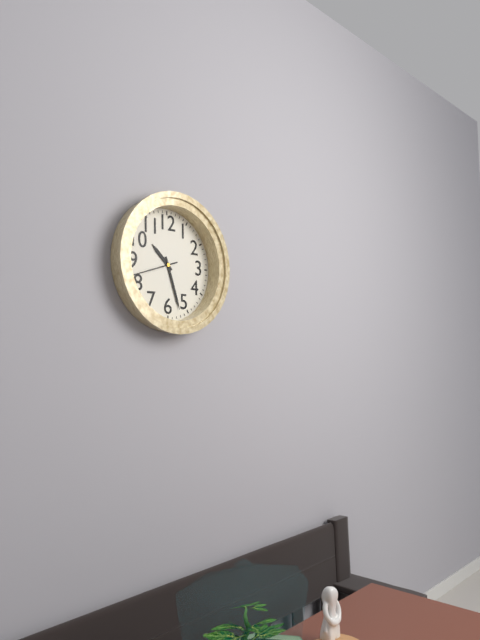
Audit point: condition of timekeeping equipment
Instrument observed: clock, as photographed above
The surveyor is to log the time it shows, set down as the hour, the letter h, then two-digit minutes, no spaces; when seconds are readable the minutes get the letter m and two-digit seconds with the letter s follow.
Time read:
10h27m42s
